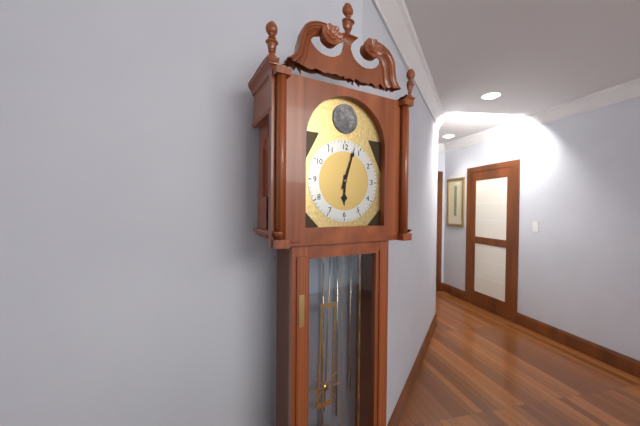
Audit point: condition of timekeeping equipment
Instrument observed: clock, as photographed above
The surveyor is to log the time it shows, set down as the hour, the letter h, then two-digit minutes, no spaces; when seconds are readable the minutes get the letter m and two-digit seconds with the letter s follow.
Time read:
6h03
